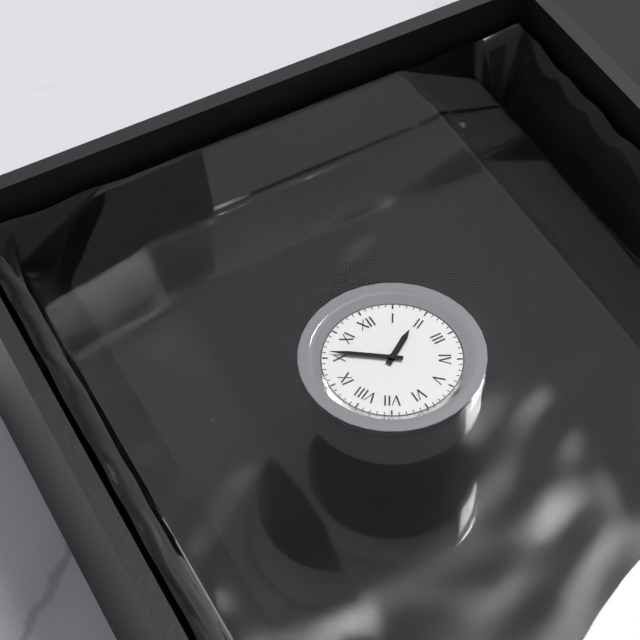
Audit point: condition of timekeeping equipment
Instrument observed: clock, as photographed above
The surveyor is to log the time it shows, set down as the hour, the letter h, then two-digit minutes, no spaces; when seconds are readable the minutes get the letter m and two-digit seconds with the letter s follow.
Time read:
1h51
